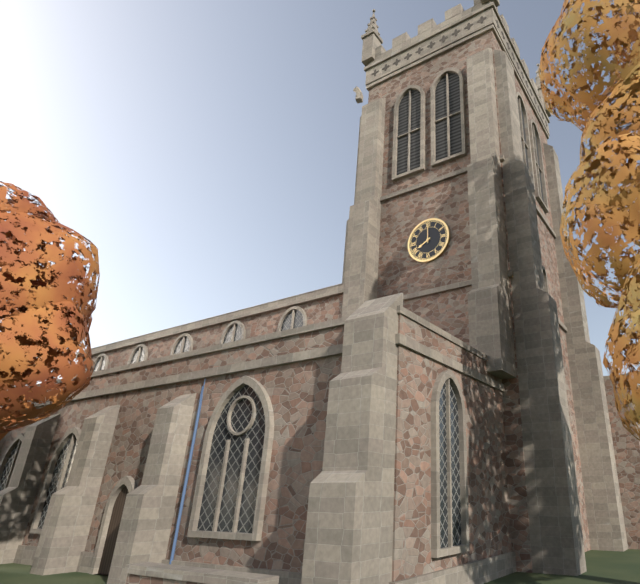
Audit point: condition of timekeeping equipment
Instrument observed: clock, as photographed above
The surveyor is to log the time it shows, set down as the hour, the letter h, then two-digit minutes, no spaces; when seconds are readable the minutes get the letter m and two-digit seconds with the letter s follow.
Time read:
8h00
